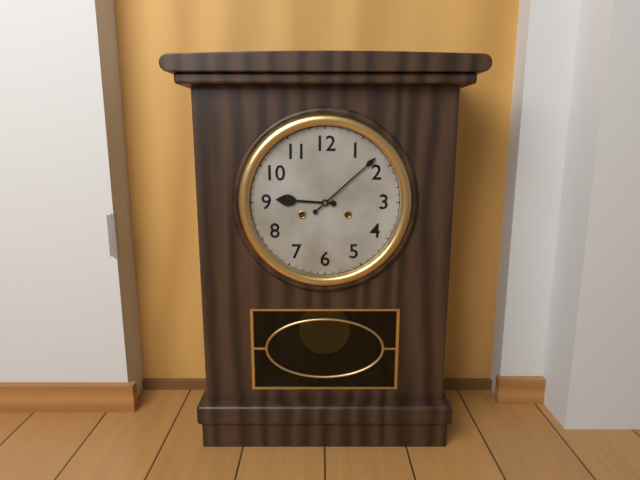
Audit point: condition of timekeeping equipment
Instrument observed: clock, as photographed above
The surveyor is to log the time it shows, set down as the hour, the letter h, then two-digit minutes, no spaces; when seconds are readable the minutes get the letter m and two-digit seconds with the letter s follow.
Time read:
9h08
